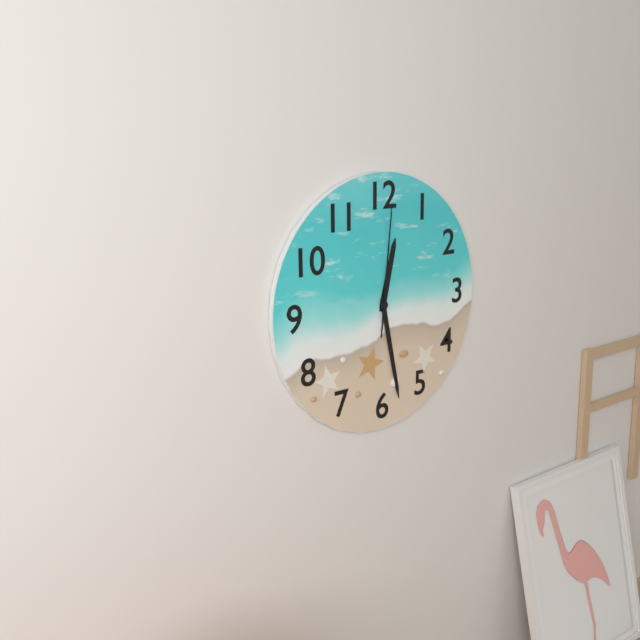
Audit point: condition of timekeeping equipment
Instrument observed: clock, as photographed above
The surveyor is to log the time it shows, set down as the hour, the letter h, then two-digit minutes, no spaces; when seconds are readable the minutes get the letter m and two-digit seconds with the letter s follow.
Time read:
12h28m01s
